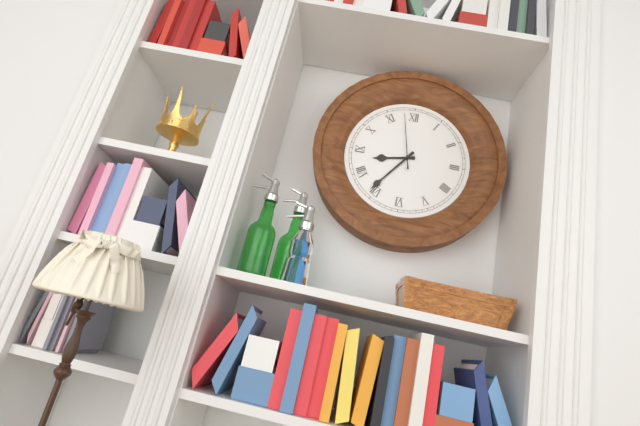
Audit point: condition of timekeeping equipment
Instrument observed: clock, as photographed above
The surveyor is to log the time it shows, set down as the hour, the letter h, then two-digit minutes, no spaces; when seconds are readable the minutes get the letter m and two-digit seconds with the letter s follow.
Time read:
8h36m58s
